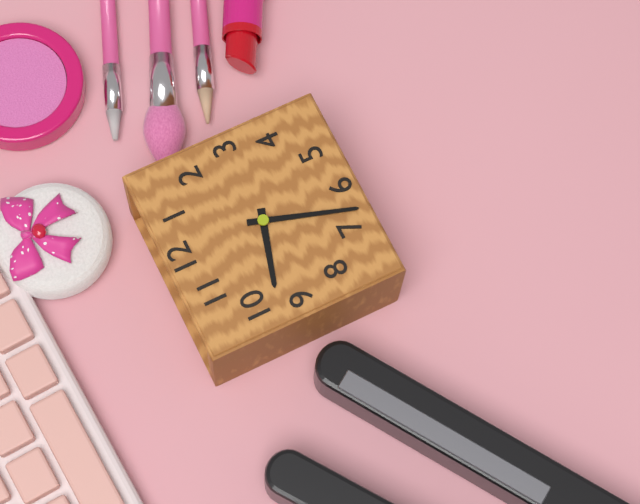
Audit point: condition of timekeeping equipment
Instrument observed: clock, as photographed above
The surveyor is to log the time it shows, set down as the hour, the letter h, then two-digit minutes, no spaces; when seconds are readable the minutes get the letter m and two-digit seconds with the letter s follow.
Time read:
9h33
